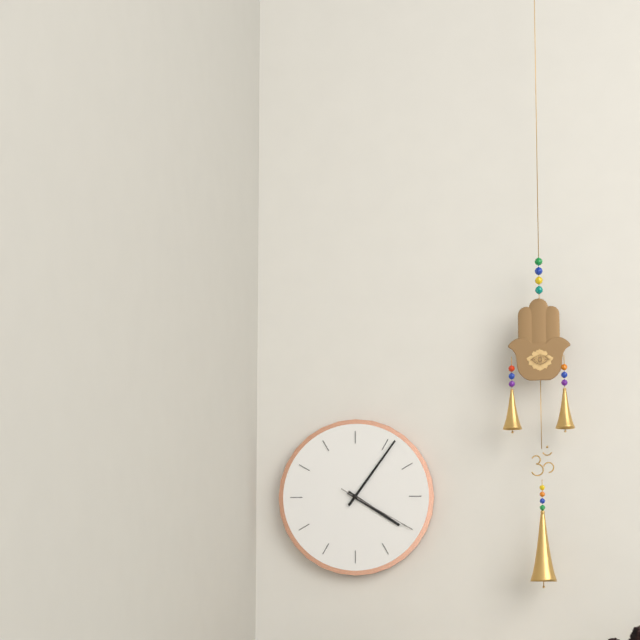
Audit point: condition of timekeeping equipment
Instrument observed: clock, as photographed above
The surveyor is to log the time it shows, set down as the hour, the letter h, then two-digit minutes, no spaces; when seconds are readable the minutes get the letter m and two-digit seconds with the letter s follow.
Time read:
4h06m20s
